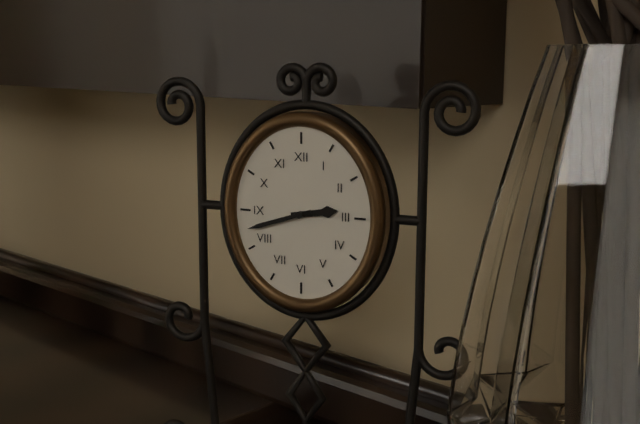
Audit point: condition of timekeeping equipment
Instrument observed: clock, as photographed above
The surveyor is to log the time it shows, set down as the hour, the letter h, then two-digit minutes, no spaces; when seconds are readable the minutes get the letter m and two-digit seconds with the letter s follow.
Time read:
2h42
